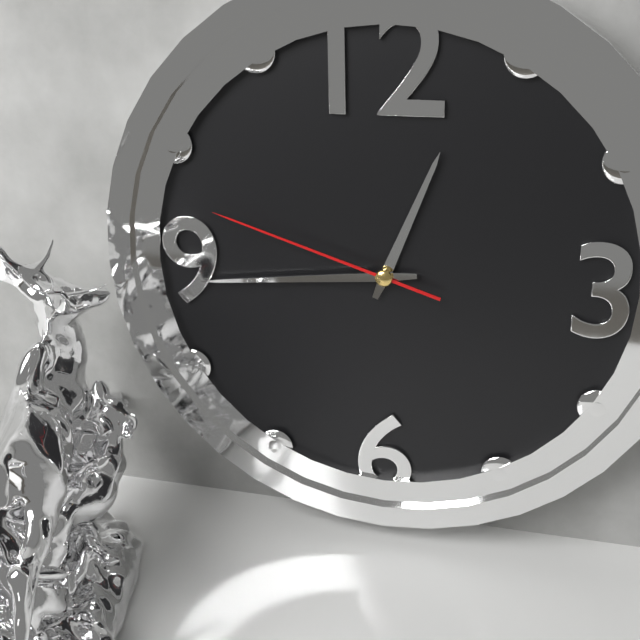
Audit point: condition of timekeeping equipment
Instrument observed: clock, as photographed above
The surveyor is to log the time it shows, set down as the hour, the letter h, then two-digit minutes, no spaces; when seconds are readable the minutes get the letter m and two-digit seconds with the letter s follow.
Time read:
12h44m48s
